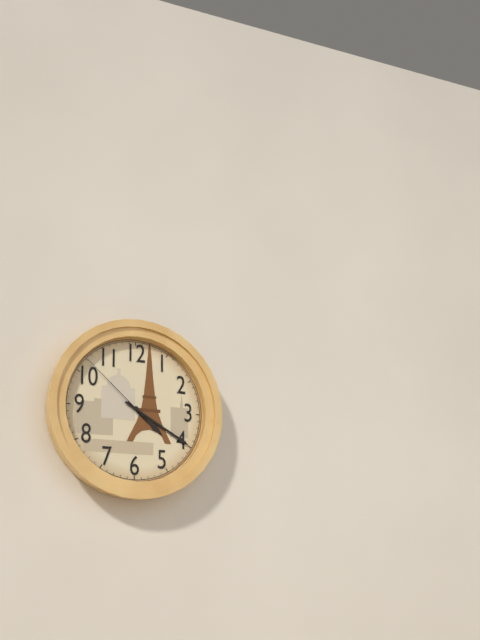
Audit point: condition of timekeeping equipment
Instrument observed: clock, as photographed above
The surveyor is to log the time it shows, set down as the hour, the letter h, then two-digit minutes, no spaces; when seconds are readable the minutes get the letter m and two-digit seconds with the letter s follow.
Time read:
4h20m52s
